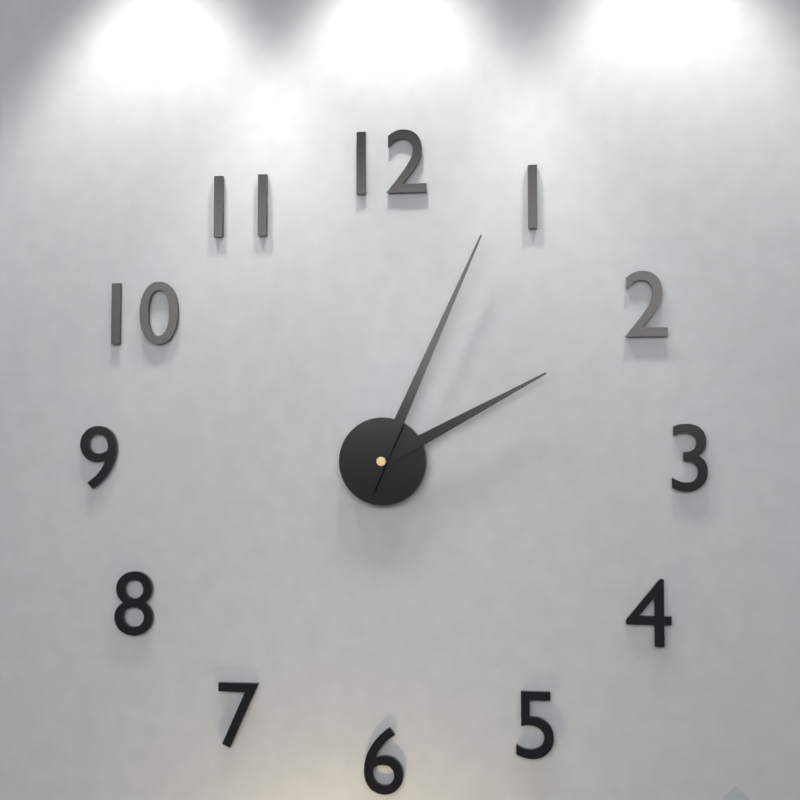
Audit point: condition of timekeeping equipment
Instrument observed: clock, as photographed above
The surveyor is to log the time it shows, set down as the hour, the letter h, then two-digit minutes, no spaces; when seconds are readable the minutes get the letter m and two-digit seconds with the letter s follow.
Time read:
2h04
